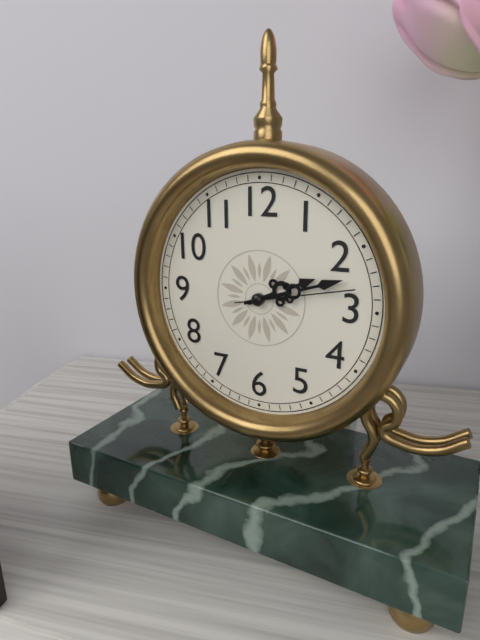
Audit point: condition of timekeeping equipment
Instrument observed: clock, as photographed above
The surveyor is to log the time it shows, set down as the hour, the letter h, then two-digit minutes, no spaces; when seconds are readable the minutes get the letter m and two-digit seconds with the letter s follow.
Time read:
2h12m13s
